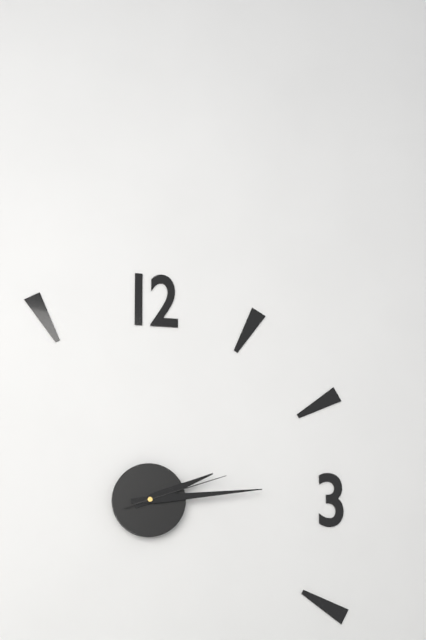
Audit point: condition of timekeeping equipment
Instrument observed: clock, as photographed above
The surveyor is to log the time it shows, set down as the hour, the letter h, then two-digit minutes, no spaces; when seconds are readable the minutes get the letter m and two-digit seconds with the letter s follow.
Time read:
2h14m12s
